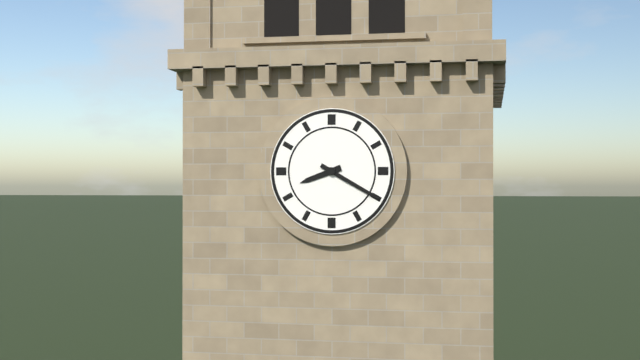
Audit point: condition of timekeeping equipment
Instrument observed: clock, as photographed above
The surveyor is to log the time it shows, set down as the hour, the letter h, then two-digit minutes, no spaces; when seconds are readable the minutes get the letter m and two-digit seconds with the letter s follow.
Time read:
8h20
